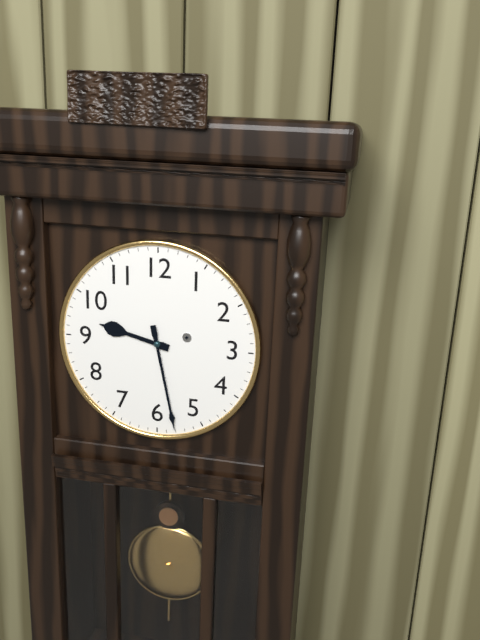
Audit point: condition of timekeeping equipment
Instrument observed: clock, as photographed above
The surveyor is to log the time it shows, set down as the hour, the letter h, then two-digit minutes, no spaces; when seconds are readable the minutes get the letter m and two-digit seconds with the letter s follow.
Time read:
9h28
